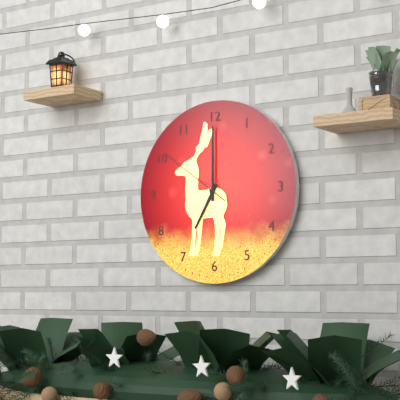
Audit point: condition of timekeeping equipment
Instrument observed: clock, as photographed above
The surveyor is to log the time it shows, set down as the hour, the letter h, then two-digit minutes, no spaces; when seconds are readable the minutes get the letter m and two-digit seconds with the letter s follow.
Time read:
7h00m51s
